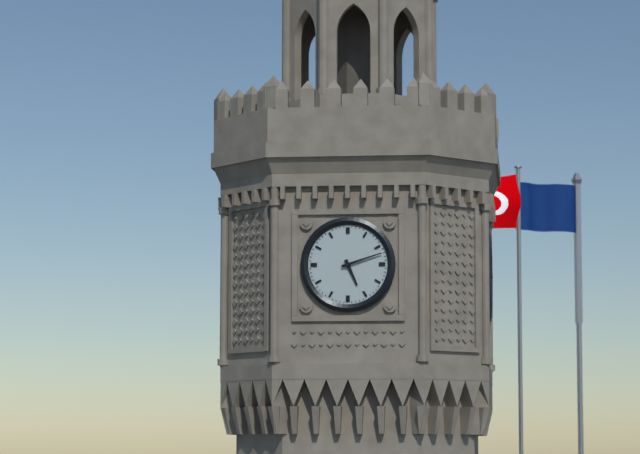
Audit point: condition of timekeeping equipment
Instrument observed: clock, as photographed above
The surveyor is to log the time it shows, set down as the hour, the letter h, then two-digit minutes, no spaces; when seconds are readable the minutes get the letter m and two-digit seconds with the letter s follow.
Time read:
5h12
